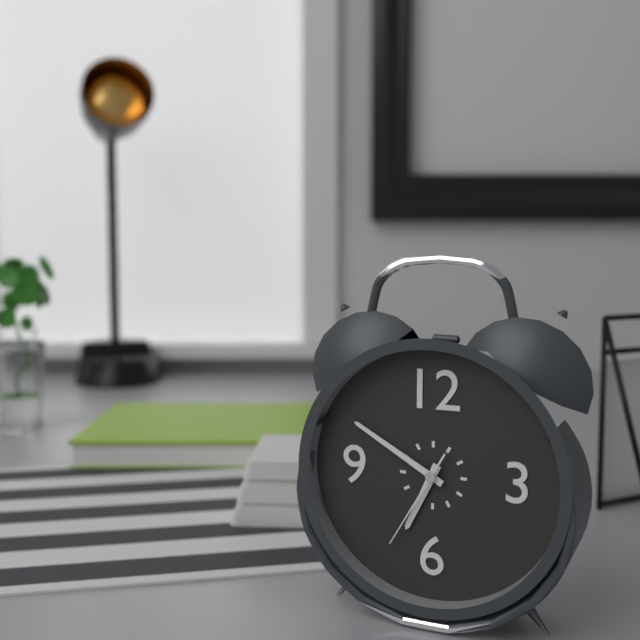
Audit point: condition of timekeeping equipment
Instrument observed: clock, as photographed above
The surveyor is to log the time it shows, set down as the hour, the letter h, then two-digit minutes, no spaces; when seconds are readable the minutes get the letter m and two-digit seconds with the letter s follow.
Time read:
6h50m35s
